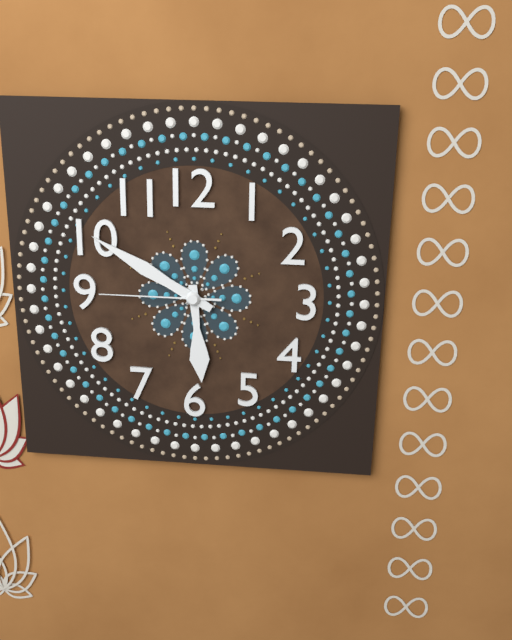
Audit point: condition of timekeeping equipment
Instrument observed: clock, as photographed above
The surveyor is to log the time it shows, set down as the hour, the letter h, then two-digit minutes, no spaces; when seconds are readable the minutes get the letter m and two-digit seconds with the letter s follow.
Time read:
5h50m45s
